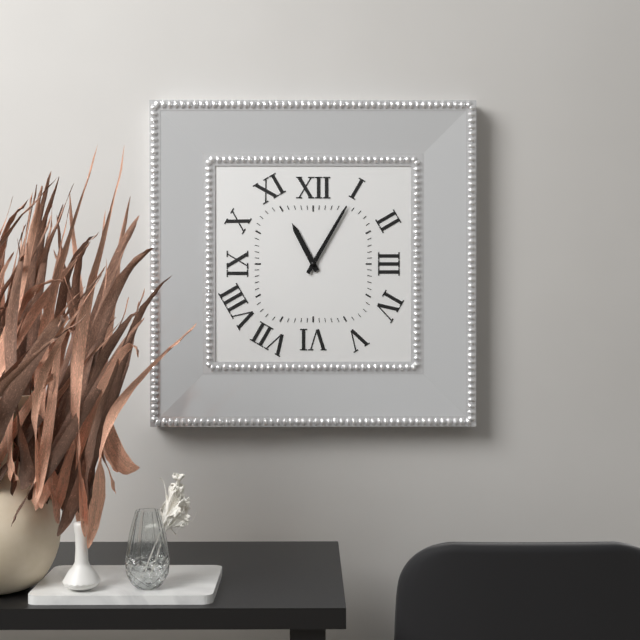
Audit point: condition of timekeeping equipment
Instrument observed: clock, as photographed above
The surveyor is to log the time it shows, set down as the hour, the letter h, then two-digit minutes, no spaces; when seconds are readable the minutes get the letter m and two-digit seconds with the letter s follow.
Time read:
11h05
